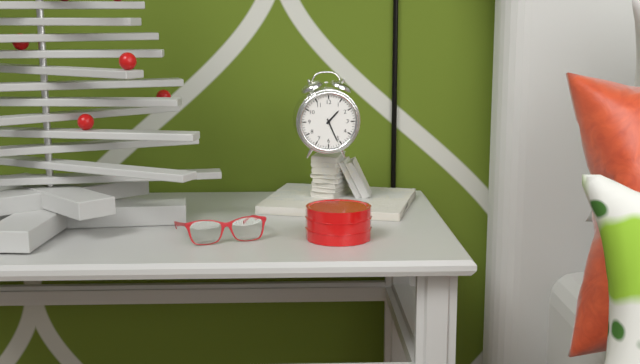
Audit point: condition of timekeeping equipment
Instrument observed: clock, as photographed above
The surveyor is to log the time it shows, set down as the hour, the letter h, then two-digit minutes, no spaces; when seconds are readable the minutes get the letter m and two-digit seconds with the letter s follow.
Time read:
1h26
